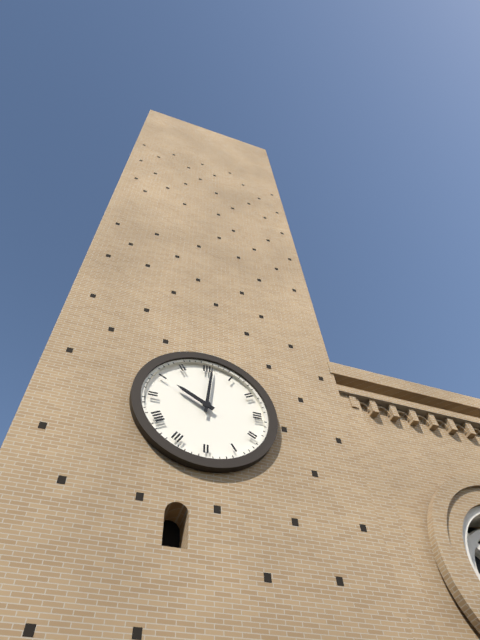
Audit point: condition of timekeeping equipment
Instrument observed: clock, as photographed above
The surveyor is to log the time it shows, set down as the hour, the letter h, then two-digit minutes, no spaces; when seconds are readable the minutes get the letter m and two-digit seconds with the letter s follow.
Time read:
10h01
